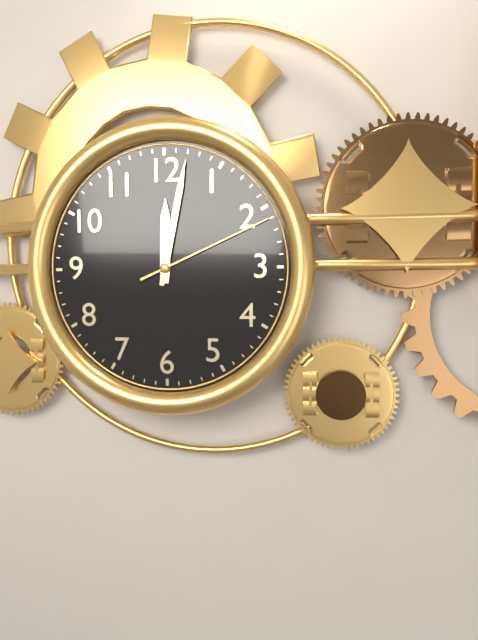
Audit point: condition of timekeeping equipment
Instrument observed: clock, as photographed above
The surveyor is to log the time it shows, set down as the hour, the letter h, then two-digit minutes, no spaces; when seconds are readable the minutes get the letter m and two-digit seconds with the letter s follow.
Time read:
12h02m11s
